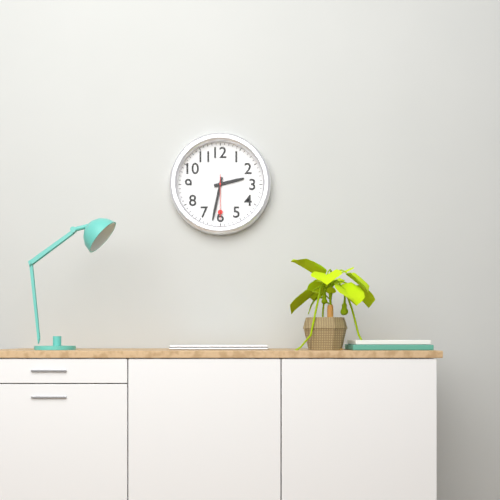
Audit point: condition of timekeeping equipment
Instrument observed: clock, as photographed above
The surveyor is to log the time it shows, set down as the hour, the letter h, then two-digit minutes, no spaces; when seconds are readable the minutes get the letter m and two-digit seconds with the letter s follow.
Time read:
2h32
